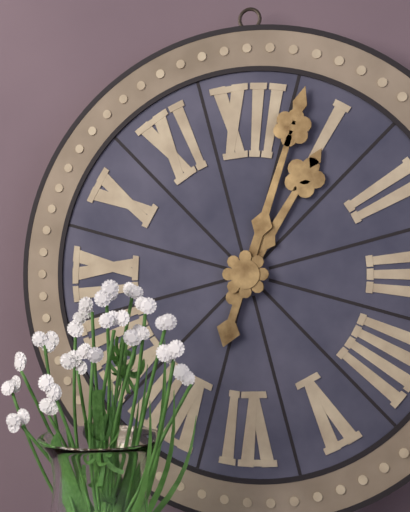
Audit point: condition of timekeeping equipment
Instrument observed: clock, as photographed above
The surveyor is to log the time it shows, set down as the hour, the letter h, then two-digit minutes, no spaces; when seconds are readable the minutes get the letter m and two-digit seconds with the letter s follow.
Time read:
1h03
